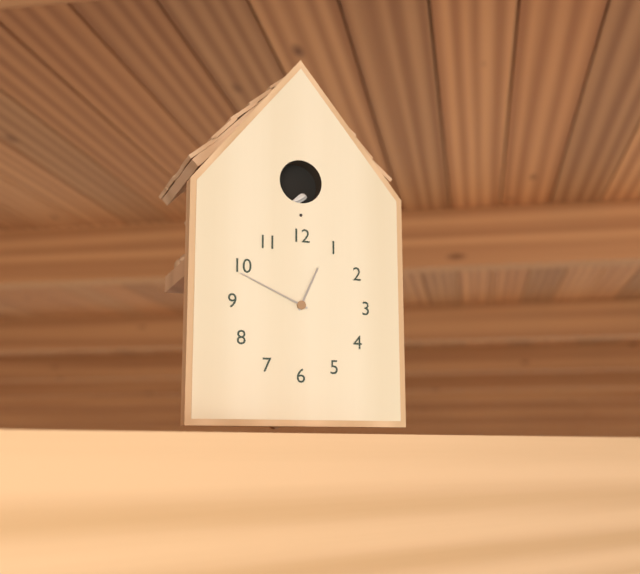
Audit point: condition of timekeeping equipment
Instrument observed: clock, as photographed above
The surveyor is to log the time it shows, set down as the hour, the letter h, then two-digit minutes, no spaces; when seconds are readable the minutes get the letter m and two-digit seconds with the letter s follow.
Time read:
12h49
